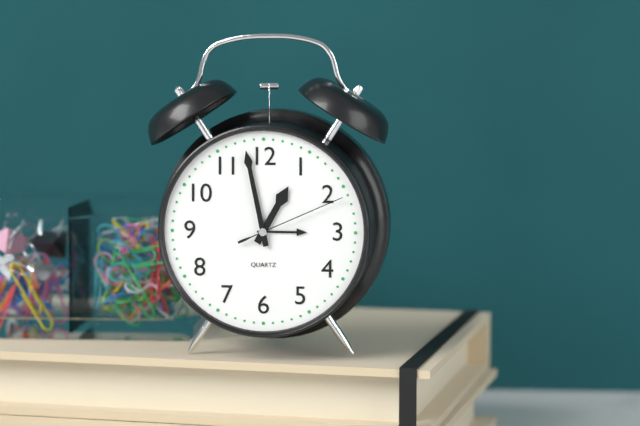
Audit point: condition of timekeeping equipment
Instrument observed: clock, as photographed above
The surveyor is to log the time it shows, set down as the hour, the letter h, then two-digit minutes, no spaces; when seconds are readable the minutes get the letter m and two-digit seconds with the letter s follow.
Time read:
12h58m11s
